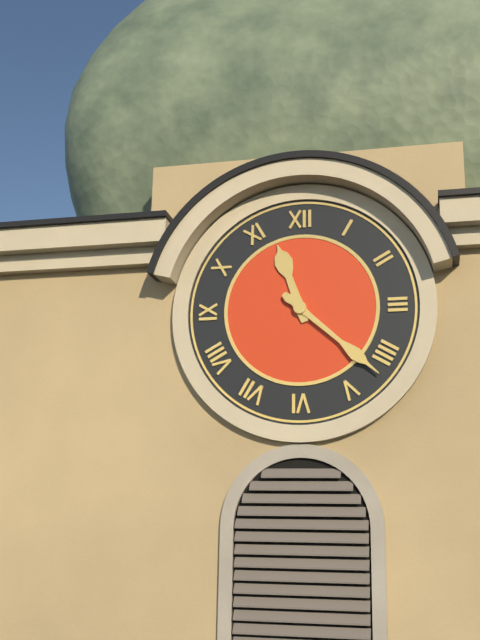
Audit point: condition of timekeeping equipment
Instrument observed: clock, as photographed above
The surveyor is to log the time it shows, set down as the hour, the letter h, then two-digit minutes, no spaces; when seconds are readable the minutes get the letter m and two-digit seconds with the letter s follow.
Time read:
11h22
